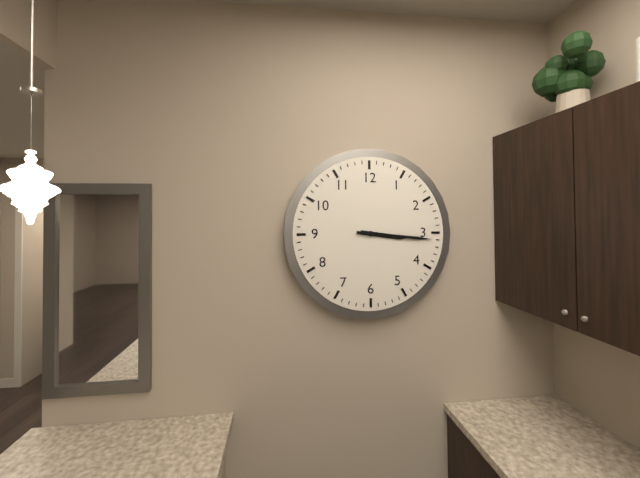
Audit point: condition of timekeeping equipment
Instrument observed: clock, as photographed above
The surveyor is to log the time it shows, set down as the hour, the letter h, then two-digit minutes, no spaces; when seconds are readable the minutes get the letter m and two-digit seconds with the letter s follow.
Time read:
3h16
